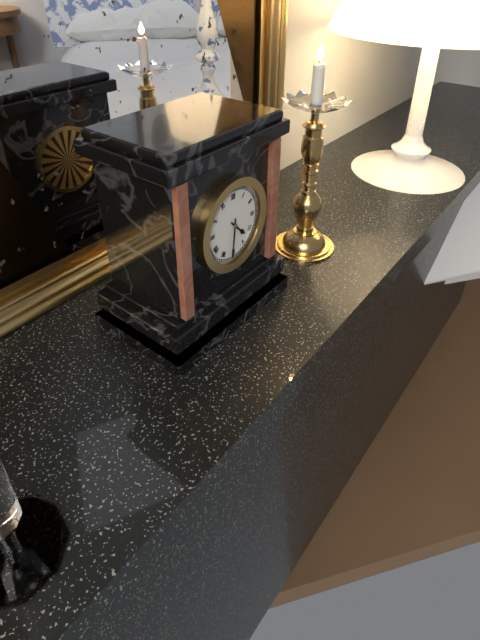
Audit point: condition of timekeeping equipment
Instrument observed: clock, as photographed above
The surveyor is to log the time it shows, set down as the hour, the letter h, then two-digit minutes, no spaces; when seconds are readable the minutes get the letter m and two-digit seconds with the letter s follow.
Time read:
4h31
